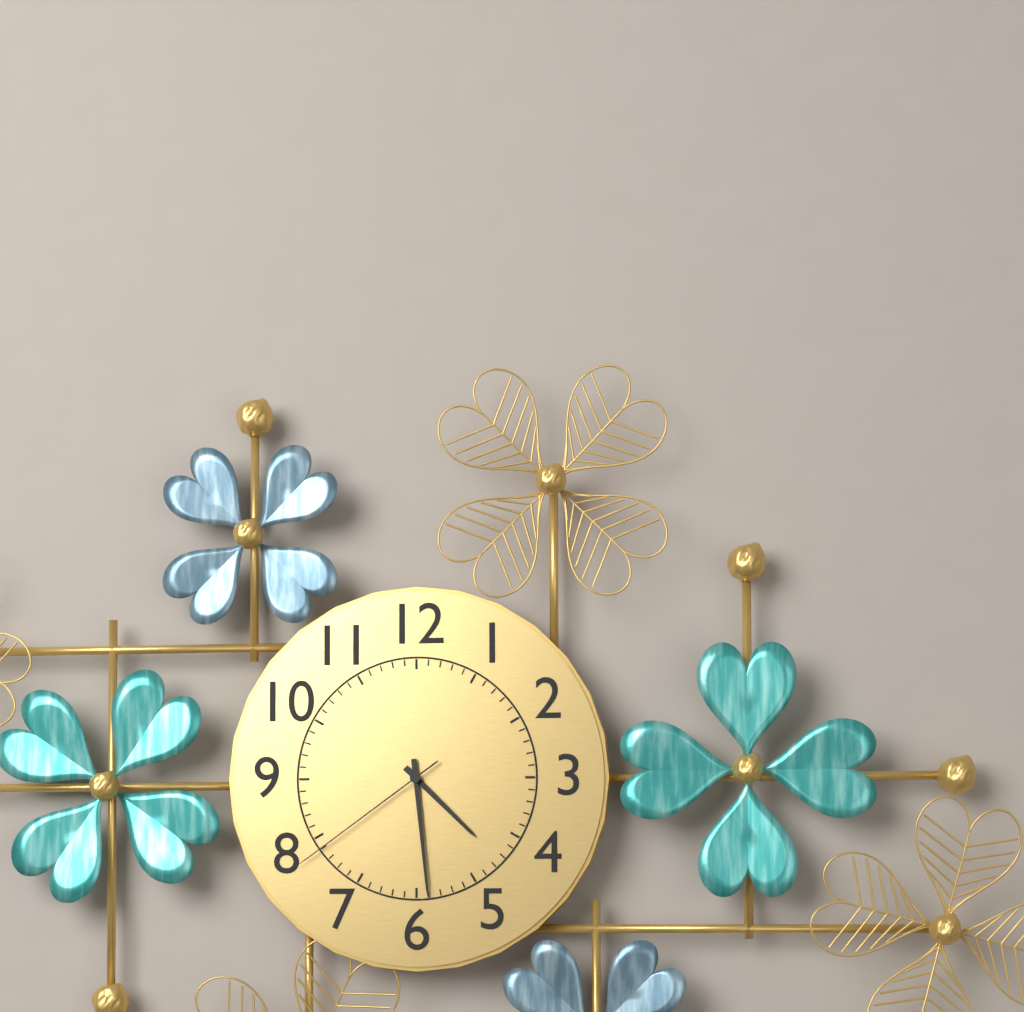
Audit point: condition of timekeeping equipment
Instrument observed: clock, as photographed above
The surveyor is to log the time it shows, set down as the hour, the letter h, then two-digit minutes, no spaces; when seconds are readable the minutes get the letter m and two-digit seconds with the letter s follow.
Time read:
4h29m39s
